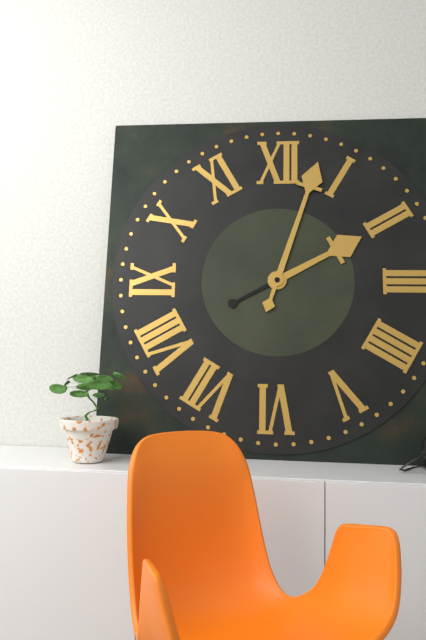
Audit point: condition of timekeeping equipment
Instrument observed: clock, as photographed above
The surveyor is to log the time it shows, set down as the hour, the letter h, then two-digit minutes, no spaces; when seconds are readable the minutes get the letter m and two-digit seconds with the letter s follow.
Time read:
2h03
